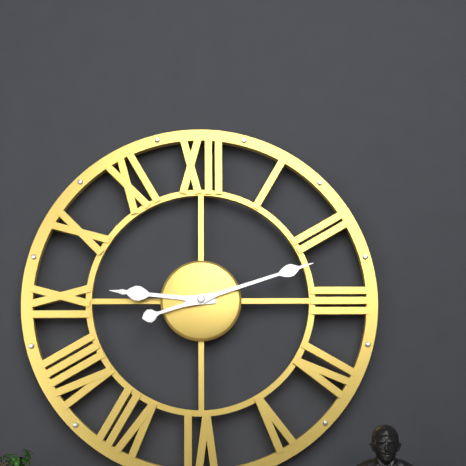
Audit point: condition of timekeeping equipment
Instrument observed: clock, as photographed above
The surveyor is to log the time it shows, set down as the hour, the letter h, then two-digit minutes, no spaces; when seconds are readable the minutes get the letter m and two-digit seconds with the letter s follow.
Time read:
9h12
